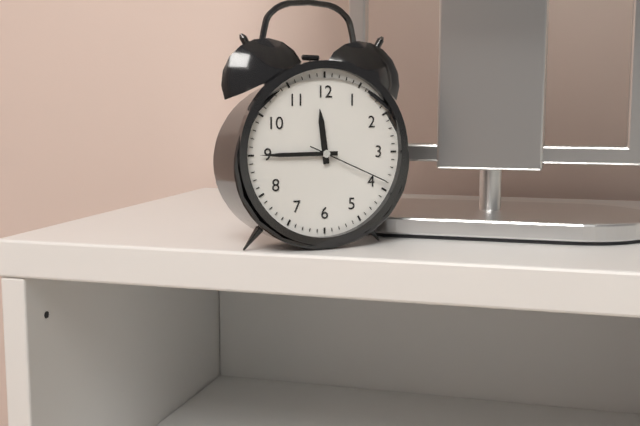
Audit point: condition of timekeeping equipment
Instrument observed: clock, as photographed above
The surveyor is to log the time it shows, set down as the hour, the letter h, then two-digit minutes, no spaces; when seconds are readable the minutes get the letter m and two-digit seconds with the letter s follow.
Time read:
11h45m19s
